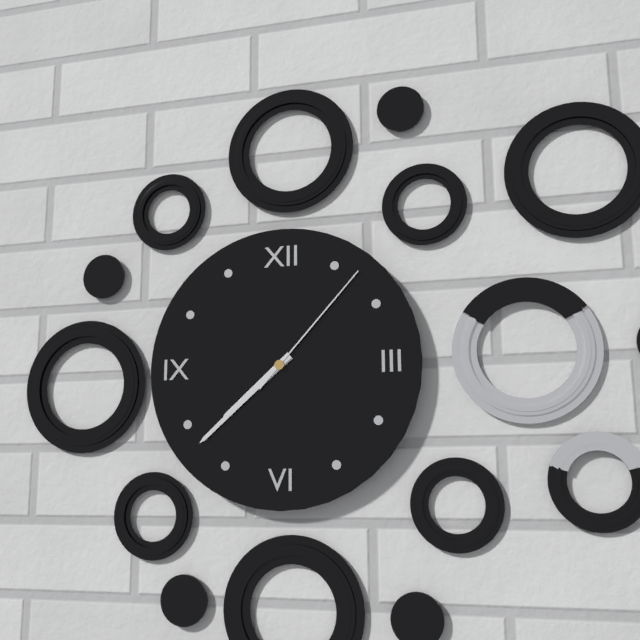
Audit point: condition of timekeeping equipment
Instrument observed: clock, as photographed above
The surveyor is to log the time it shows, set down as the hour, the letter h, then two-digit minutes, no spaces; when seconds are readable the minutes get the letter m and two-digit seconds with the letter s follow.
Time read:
7h38m07s
